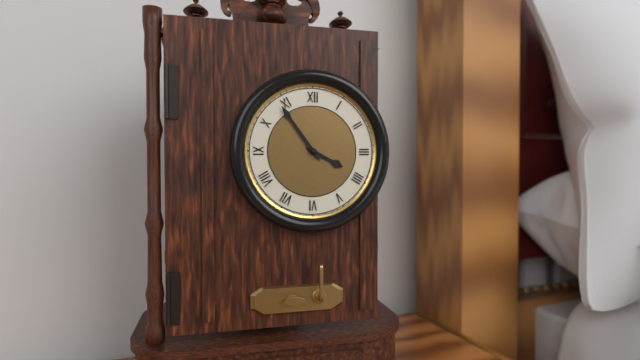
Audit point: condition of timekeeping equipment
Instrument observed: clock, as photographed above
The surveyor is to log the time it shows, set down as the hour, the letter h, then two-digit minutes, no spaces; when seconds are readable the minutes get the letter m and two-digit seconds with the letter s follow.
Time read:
3h54
